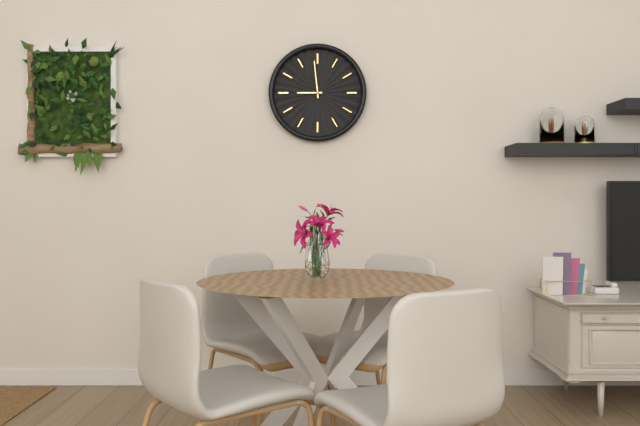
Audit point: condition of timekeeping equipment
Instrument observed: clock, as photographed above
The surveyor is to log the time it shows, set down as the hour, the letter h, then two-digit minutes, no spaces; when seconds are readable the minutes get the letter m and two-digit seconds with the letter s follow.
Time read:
8h59
